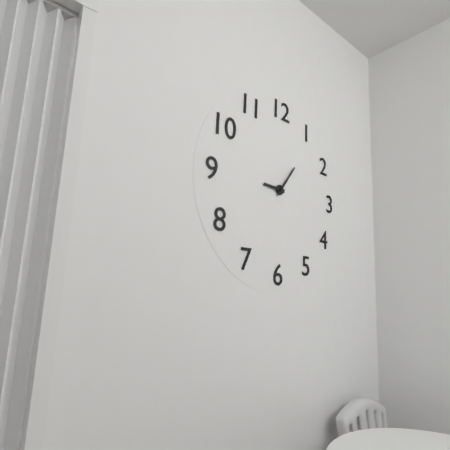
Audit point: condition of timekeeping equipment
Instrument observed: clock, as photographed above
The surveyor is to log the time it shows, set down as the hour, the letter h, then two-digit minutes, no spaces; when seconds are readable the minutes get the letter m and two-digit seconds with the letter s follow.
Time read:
9h06
